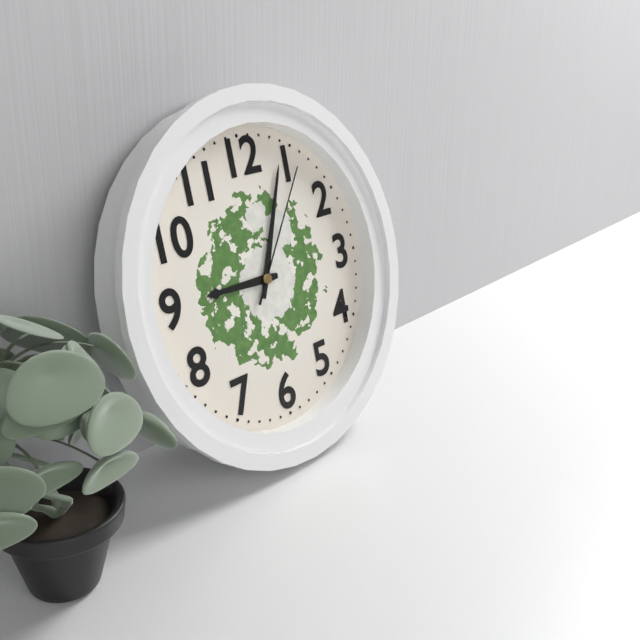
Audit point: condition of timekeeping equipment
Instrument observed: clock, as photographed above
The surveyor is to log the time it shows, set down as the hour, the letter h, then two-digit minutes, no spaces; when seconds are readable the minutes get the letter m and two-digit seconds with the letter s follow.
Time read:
9h04m06s
